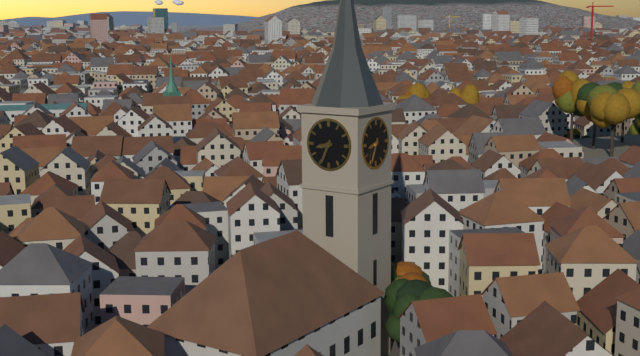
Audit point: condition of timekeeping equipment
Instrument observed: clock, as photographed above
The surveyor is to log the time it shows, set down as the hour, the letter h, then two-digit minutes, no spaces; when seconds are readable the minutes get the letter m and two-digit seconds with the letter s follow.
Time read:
8h34
